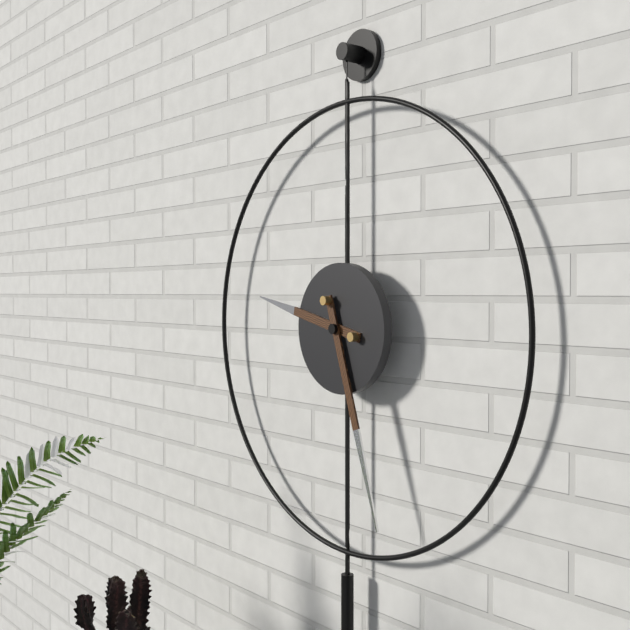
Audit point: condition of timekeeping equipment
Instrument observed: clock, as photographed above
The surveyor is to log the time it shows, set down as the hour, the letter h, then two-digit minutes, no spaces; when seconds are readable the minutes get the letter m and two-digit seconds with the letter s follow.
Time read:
9h27
